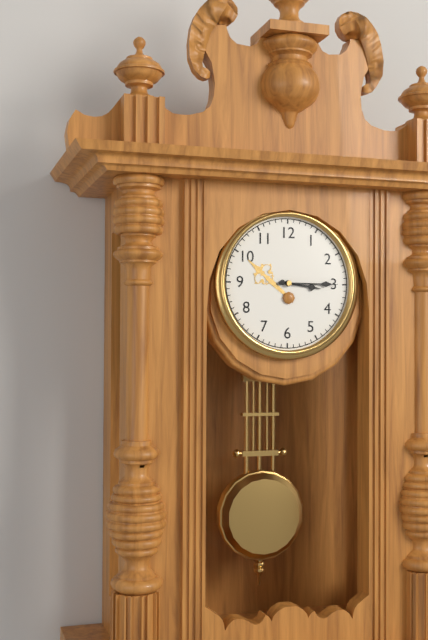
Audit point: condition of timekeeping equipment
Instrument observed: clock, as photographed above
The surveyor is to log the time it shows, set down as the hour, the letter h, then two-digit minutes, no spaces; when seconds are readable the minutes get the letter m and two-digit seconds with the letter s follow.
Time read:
3h15
